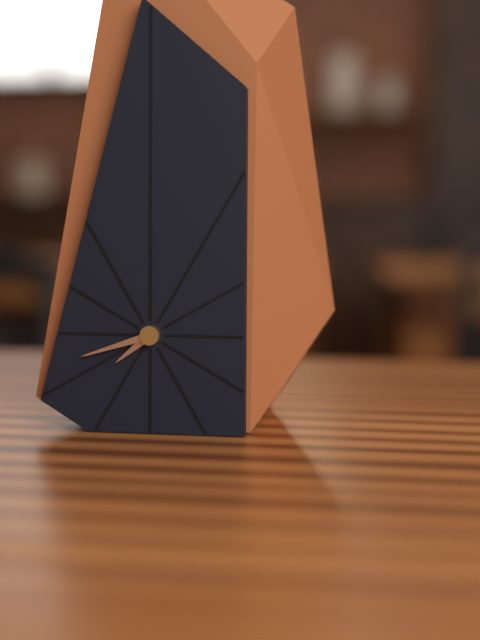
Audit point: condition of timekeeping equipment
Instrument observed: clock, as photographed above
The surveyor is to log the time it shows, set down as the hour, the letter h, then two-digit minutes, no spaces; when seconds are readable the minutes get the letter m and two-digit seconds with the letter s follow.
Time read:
7h42
